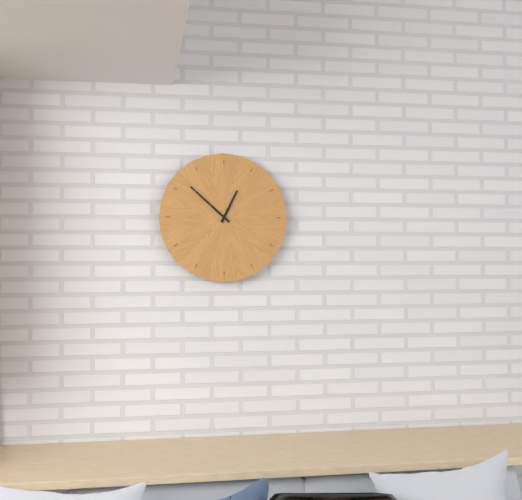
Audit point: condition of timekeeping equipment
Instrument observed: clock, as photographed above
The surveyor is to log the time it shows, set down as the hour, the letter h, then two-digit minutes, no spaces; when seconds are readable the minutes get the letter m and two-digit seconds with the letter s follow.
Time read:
12h52
